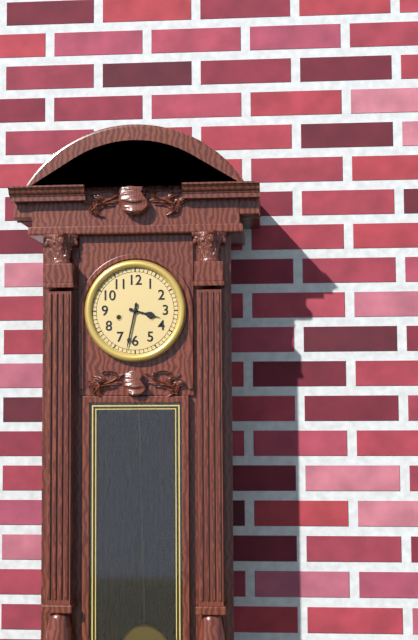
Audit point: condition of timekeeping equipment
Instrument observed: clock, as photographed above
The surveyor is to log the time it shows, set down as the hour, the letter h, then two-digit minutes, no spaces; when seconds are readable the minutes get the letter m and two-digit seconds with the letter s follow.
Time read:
3h32
